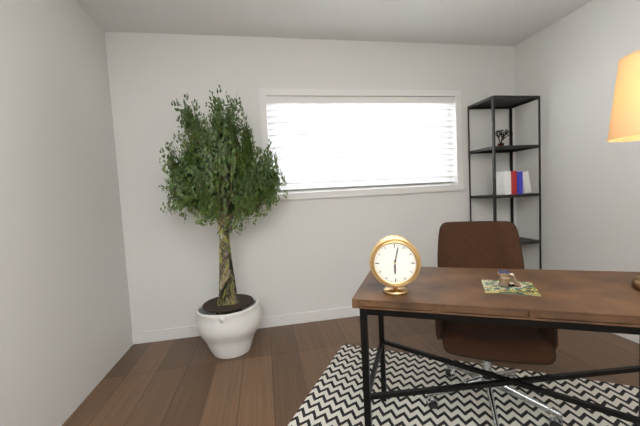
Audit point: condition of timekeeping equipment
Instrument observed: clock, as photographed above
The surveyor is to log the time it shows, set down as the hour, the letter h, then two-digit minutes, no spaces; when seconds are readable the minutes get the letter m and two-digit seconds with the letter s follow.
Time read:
6h02
